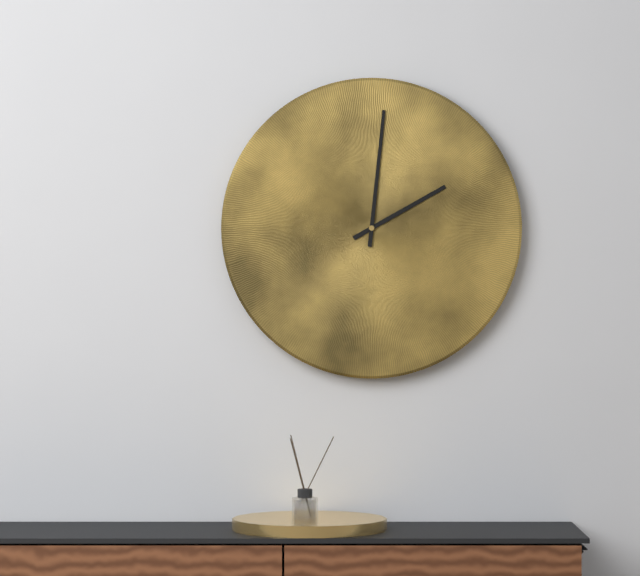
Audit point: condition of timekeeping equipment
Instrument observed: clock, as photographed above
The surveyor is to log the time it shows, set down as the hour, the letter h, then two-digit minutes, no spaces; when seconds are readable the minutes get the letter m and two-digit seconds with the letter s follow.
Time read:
2h01
